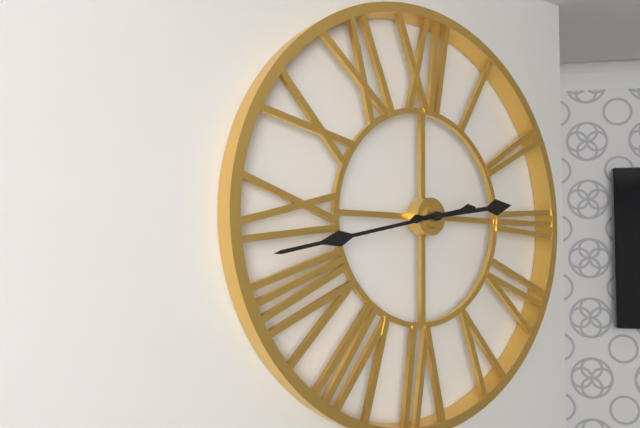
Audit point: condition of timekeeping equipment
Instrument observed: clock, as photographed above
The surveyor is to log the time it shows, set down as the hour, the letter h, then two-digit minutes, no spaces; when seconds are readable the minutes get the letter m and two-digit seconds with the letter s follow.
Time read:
2h43
